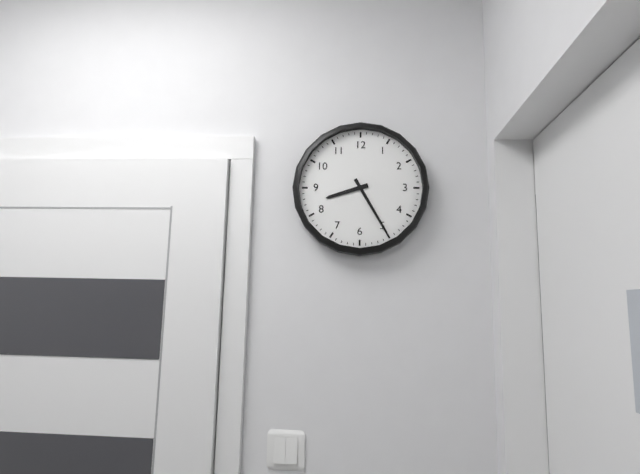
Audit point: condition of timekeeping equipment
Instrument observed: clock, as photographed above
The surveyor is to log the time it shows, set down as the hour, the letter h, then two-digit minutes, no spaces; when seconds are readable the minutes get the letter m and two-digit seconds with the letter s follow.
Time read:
8h25
